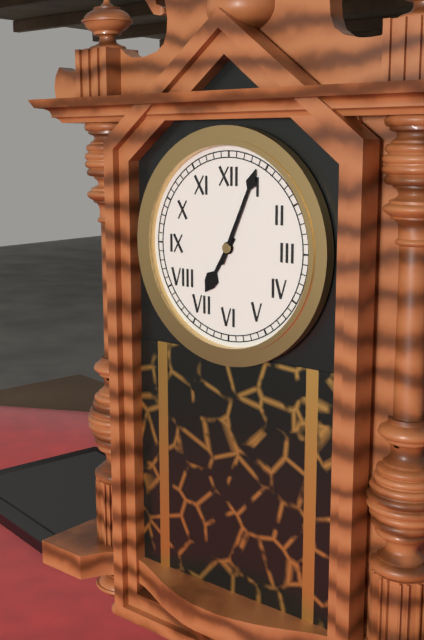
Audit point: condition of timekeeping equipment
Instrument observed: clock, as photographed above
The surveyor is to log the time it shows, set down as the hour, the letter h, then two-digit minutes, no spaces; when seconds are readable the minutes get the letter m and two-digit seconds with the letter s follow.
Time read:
7h04
